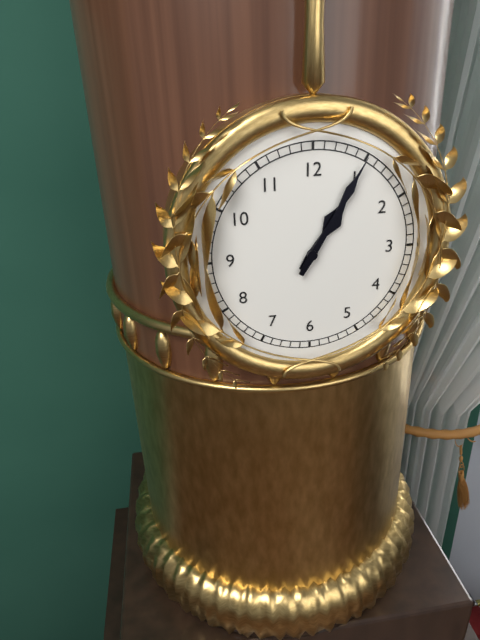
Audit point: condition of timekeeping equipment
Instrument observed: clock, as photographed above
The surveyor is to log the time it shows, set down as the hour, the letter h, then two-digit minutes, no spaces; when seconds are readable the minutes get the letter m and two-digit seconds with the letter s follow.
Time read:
1h05
